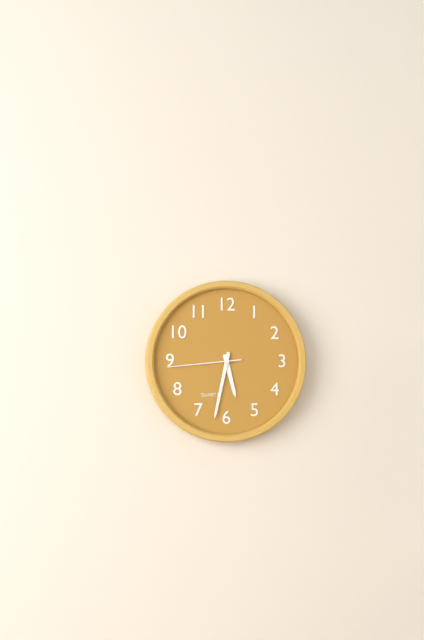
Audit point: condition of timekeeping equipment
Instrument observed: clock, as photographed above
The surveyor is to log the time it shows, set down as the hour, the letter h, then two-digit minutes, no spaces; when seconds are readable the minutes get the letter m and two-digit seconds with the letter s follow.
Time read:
5h32m44s
